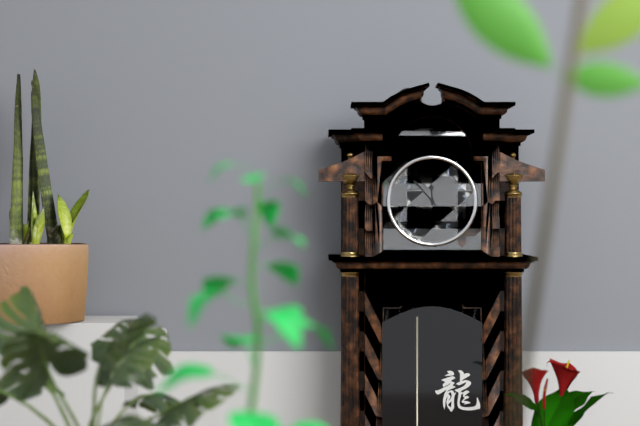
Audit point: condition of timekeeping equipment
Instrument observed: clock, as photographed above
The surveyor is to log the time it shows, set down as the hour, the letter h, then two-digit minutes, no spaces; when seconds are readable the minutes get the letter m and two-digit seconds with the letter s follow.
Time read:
11h53
